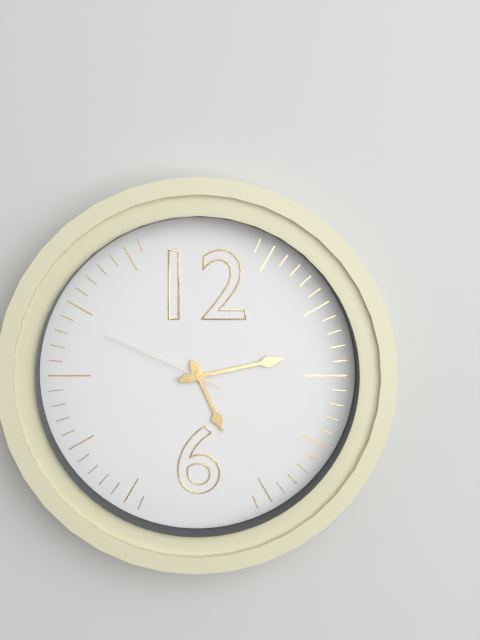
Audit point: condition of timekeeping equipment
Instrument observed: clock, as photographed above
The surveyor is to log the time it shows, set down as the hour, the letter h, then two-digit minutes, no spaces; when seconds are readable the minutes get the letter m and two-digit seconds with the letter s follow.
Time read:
5h13m49s
